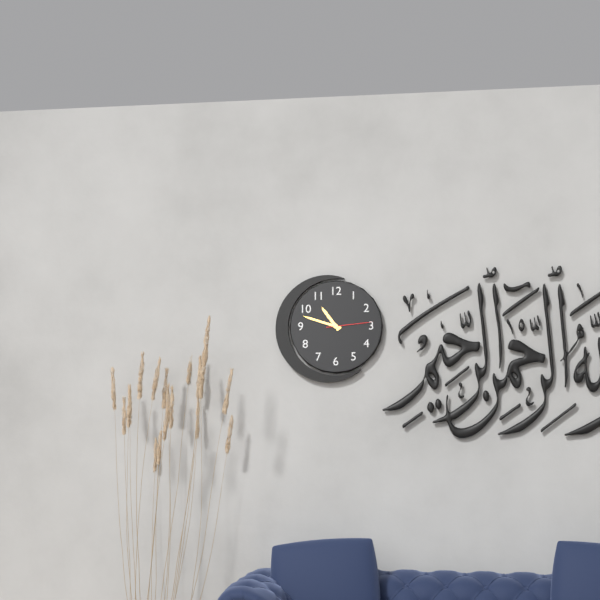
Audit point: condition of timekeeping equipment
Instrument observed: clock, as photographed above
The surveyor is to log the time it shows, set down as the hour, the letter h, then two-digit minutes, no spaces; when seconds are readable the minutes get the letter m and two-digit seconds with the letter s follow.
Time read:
10h48
